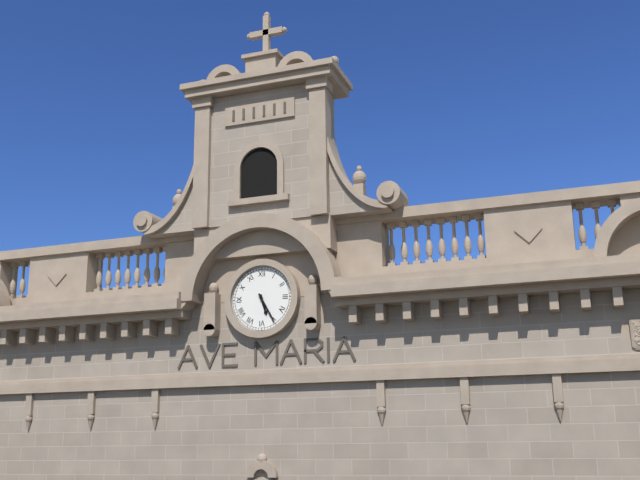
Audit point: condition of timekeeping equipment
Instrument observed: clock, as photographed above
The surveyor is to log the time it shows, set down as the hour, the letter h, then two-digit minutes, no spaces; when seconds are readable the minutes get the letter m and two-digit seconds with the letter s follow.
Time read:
5h25
